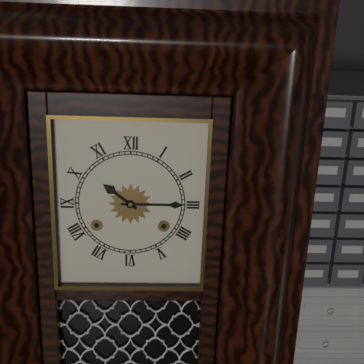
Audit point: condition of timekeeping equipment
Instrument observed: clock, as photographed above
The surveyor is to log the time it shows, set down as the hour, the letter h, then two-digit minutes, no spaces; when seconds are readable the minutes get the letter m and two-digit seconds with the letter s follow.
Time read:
10h15
